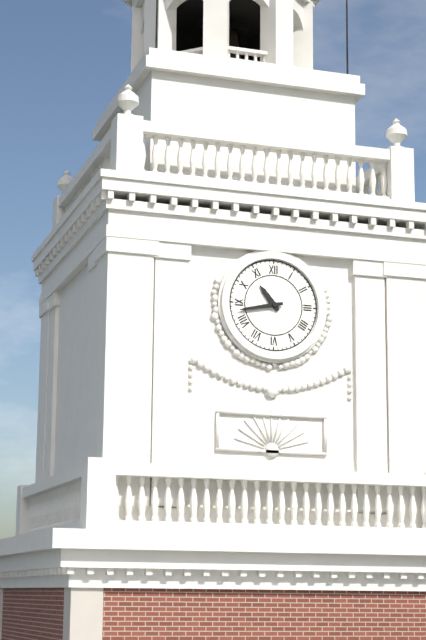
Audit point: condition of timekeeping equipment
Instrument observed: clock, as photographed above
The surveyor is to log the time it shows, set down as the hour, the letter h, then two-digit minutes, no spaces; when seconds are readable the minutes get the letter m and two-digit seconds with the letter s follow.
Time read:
10h43
